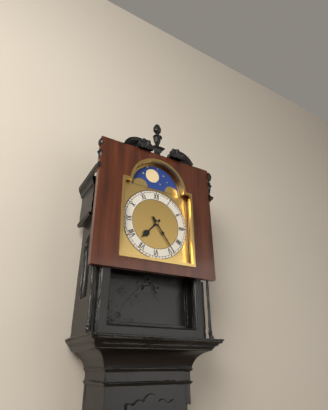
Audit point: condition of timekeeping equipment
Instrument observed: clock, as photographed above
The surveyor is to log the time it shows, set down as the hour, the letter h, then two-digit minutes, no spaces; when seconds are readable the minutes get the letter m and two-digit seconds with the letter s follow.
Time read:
7h24
